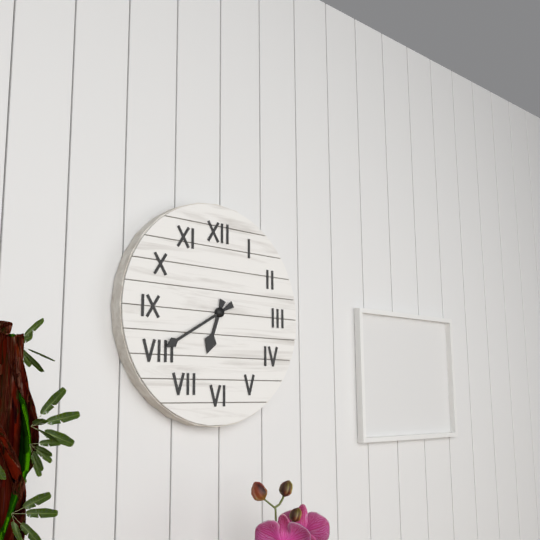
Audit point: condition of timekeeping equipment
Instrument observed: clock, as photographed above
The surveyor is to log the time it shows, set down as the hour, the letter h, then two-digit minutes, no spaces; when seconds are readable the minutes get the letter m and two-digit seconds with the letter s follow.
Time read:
6h40
